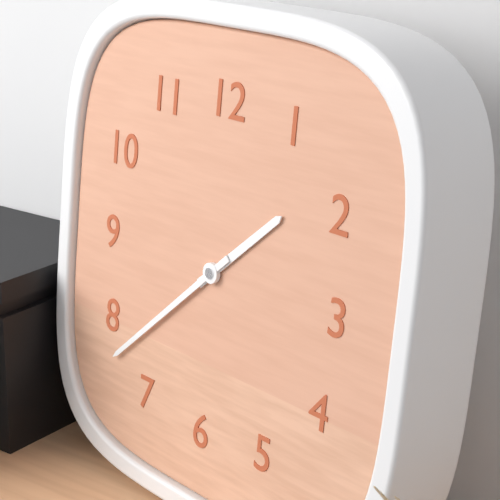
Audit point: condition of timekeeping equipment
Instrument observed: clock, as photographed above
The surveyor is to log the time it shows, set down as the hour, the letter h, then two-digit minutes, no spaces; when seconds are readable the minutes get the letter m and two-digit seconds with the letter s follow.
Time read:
1h38
